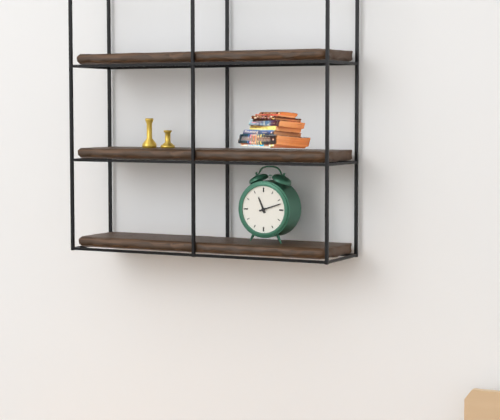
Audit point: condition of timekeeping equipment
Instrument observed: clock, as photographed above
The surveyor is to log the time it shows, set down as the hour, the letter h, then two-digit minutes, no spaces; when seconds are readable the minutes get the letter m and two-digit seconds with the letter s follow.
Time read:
11h12
